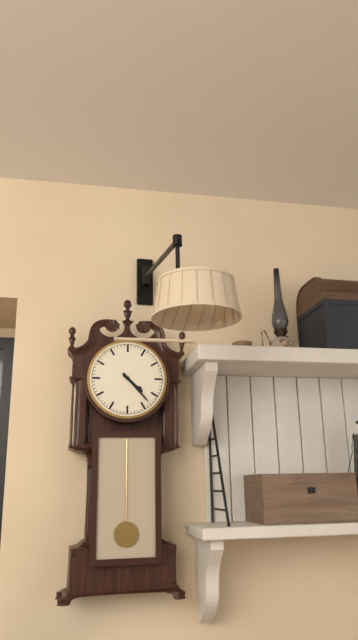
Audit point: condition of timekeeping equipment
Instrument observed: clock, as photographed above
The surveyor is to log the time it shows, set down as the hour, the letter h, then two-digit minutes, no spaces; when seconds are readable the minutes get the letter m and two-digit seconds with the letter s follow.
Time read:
4h23
